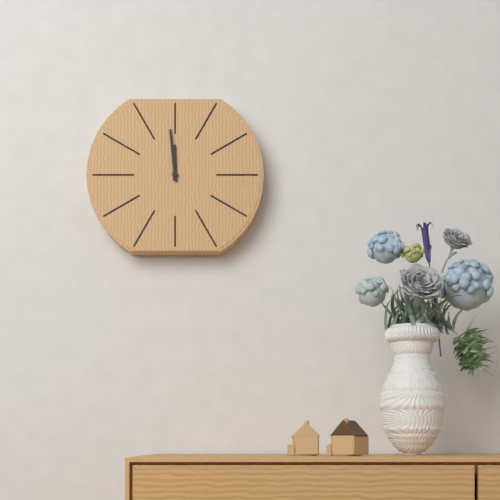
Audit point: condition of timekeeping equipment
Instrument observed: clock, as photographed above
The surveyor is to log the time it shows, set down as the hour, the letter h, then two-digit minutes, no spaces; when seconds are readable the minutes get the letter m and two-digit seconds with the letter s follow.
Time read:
11h59
